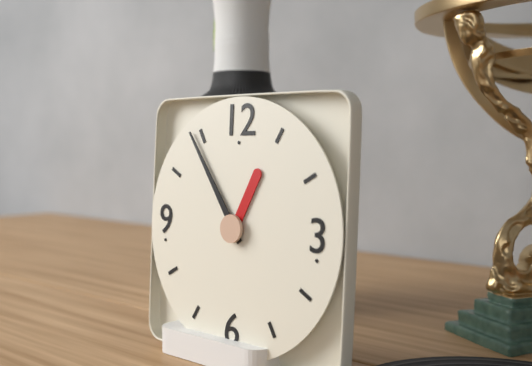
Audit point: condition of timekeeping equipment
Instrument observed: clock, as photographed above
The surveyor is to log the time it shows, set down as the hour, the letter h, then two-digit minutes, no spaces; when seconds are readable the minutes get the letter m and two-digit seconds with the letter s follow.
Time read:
12h54
